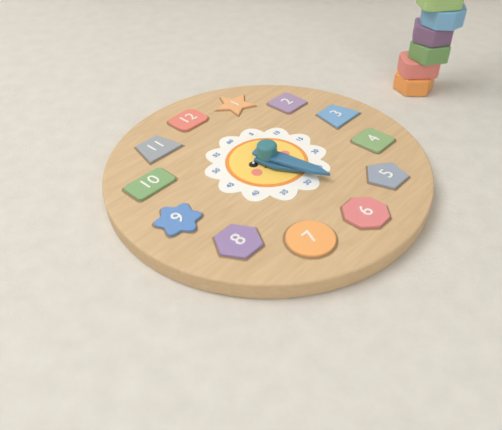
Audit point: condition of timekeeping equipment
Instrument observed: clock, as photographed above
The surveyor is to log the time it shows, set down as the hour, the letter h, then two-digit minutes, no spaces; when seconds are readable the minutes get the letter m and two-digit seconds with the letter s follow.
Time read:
5h28
